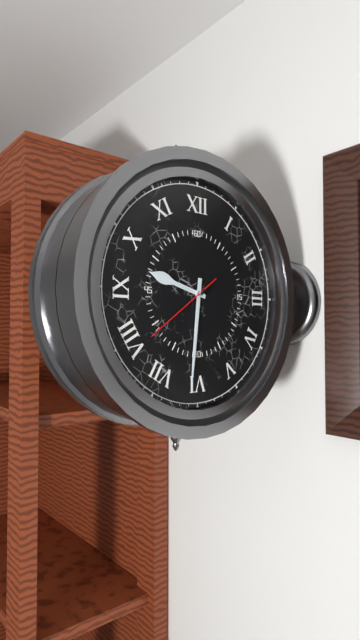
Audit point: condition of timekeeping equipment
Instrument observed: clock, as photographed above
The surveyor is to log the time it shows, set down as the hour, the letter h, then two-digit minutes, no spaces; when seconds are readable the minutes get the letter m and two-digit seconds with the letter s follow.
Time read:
9h31m39s
